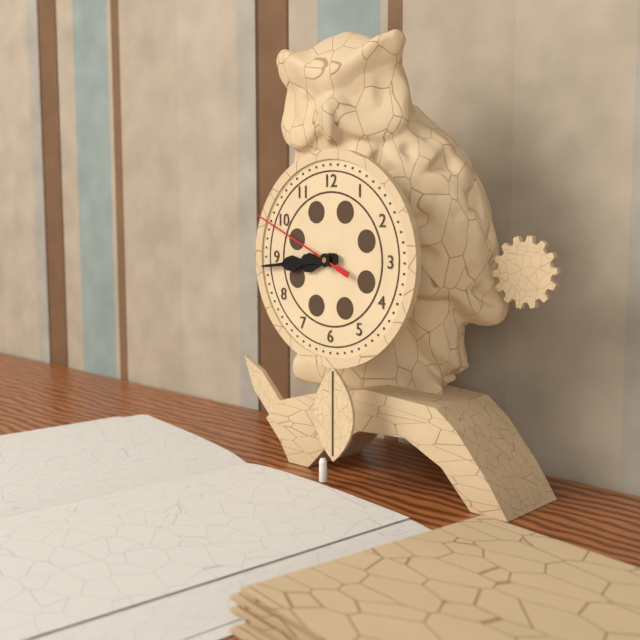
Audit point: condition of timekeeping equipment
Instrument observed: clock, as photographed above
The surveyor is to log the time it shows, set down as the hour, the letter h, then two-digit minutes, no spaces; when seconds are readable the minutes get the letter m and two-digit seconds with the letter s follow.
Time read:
8h44m49s
